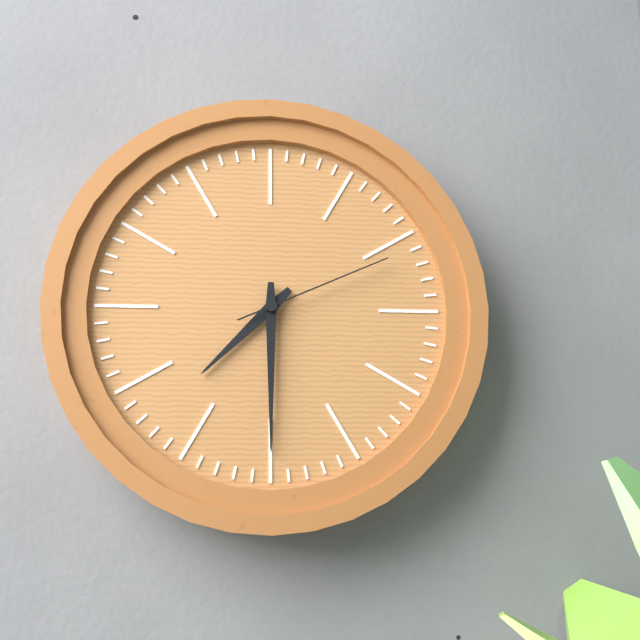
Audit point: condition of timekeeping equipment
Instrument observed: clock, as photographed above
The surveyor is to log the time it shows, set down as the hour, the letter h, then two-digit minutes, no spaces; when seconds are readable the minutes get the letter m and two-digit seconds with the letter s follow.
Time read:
7h30m11s
